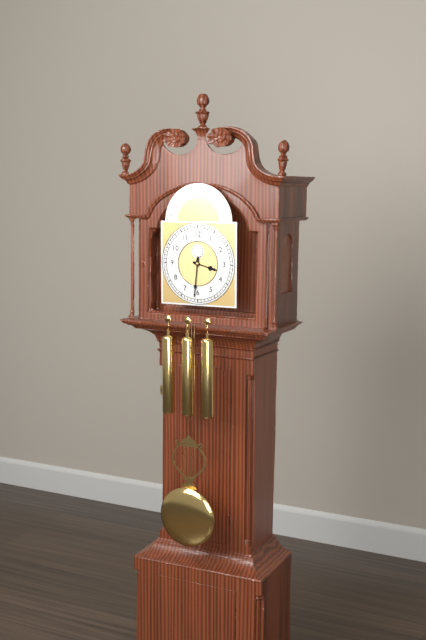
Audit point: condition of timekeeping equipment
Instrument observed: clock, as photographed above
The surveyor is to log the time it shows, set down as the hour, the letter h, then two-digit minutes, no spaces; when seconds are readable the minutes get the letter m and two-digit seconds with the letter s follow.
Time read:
3h31
